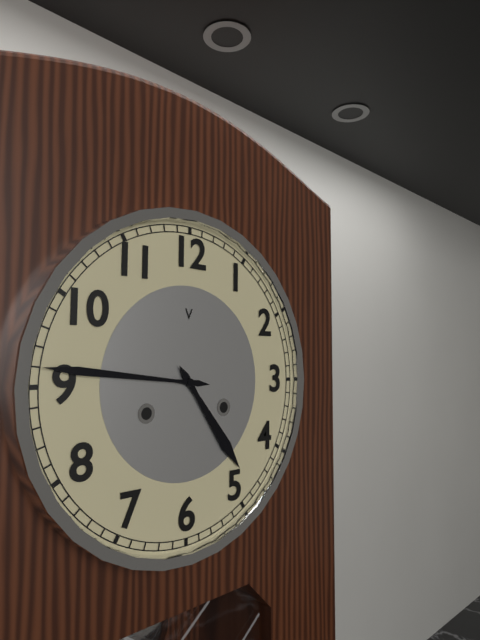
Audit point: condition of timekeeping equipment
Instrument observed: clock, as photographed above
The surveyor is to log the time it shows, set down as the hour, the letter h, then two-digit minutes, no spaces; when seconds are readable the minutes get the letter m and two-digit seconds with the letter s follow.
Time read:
4h46
